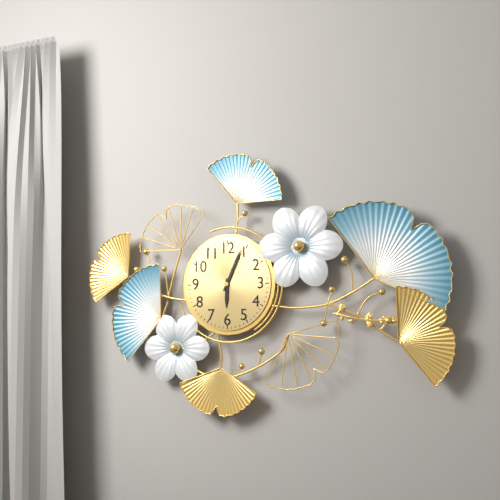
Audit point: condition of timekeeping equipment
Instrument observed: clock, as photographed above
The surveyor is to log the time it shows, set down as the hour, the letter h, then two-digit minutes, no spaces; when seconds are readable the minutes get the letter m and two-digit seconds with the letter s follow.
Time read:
6h04
